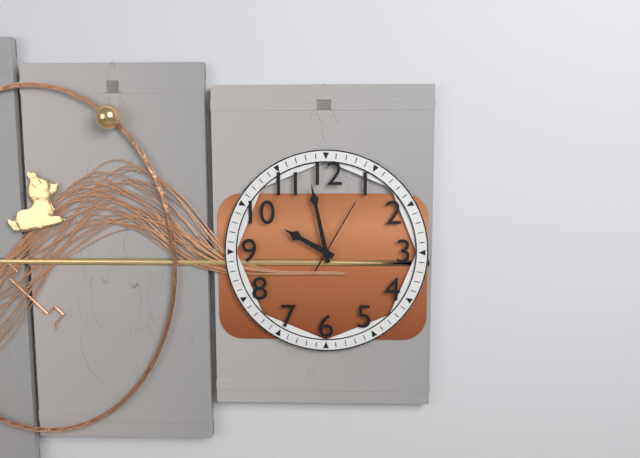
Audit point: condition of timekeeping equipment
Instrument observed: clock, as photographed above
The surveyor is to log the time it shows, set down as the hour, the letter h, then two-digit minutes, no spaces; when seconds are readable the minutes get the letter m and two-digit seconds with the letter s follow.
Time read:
9h58m05s
